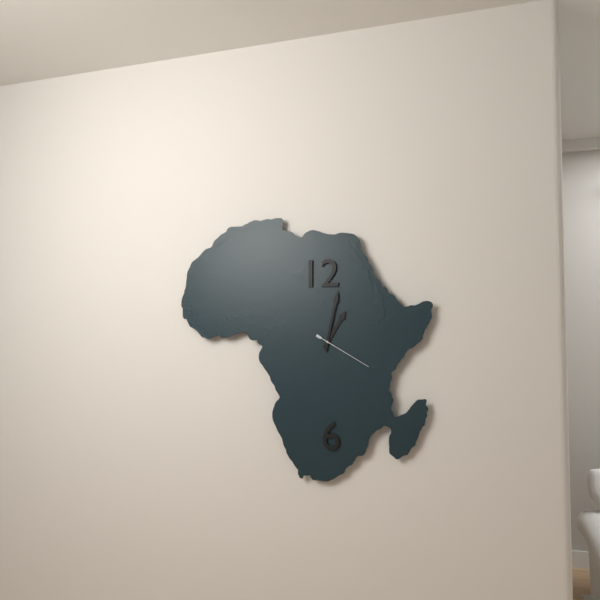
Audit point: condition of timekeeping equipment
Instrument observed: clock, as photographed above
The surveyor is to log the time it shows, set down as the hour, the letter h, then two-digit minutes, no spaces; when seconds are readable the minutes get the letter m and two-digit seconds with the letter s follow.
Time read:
1h02m20s
